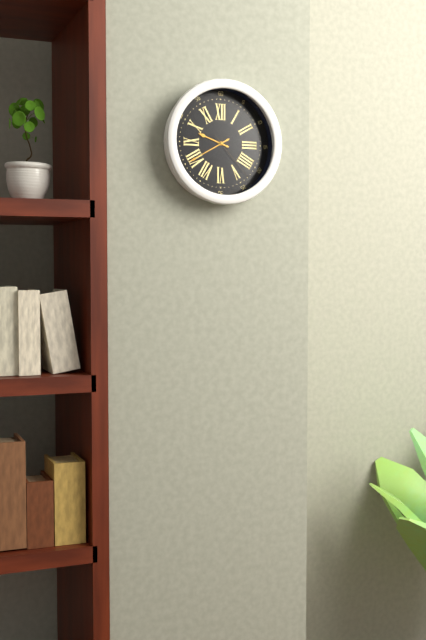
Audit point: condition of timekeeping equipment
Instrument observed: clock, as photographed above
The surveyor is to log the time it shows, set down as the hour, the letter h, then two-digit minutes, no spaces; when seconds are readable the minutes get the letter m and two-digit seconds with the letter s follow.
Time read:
9h40m23s
